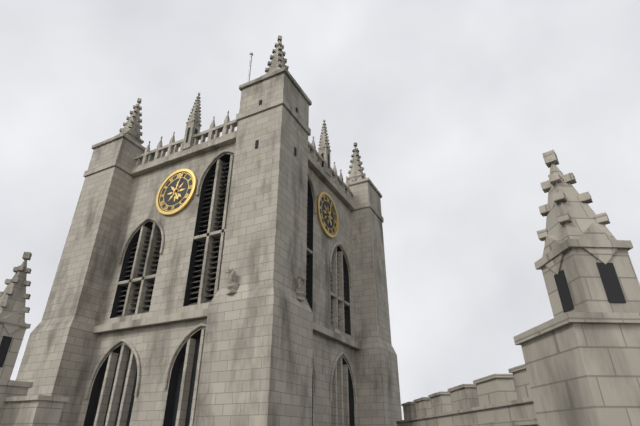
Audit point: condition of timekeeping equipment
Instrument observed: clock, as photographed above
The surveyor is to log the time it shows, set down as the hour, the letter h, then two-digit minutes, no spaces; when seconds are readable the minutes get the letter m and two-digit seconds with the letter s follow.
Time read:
5h03
